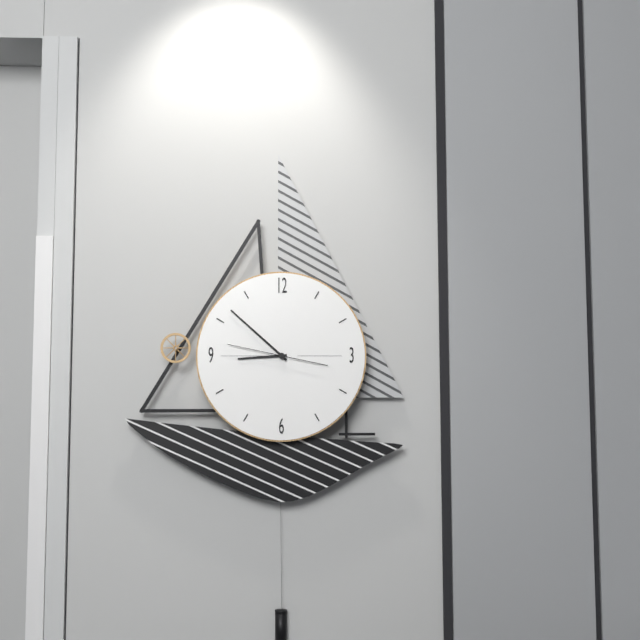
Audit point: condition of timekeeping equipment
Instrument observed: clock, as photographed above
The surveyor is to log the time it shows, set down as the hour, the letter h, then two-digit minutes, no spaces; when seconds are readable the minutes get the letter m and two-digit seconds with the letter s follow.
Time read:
8h52m47s
